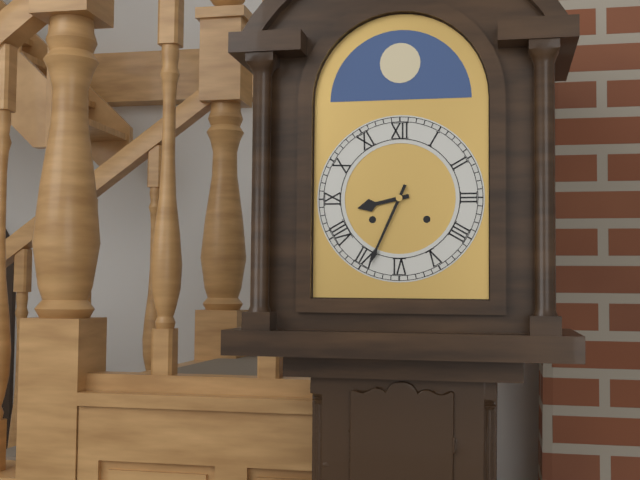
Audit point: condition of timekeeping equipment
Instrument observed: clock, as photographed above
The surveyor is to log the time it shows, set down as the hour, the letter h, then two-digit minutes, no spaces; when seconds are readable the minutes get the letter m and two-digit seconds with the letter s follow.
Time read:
8h34
